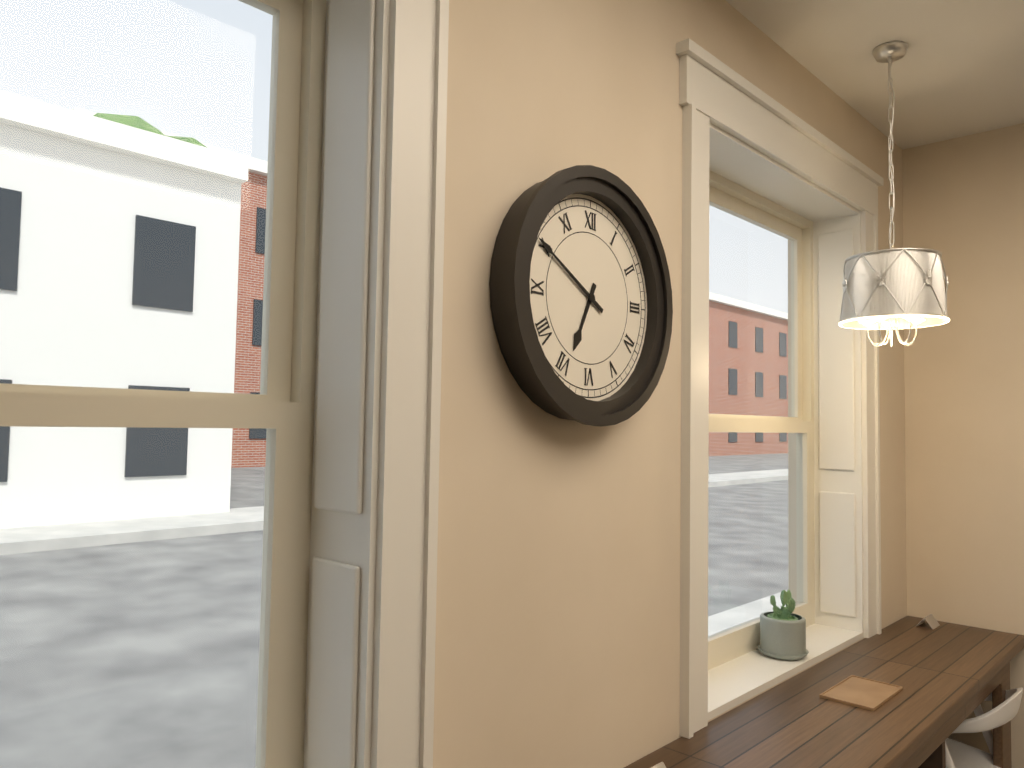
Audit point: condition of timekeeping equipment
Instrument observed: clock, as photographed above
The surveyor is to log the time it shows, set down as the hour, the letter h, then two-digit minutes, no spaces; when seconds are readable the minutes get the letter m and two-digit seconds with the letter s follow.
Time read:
6h50
